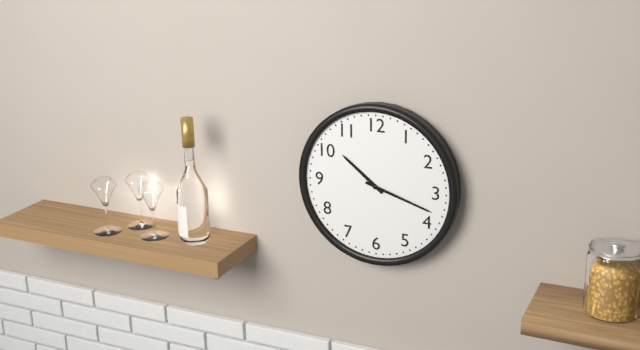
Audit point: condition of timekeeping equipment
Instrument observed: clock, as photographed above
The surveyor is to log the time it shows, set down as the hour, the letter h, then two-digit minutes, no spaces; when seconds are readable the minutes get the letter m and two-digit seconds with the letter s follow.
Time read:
10h18
